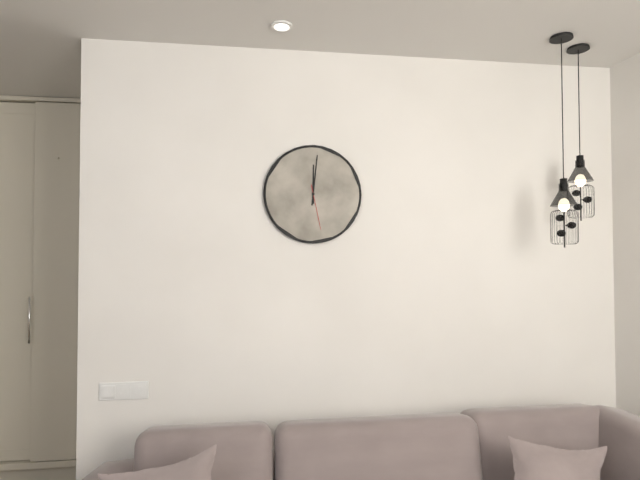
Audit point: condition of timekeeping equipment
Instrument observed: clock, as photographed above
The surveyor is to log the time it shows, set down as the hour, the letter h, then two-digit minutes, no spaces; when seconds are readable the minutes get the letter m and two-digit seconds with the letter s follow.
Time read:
12h01
